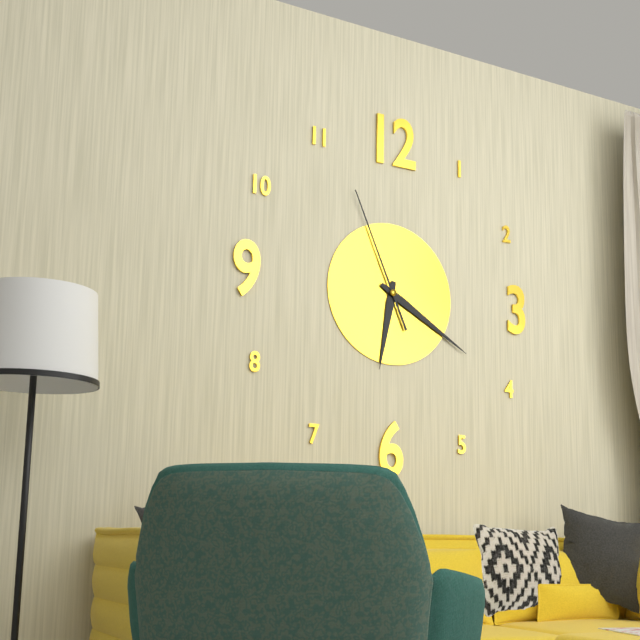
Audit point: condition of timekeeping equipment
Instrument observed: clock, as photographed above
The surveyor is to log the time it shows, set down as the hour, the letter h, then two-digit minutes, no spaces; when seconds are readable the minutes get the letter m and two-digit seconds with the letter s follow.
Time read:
6h20m56s
